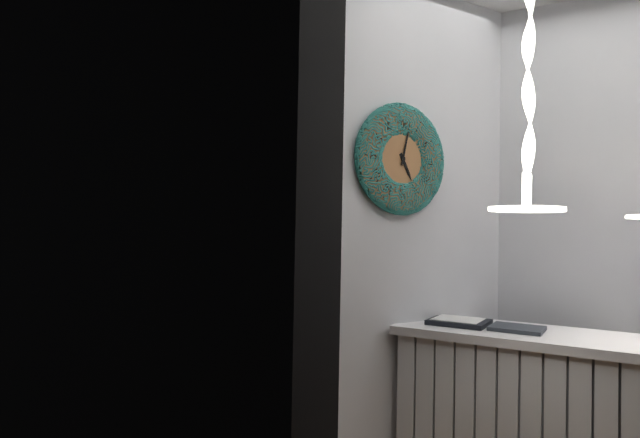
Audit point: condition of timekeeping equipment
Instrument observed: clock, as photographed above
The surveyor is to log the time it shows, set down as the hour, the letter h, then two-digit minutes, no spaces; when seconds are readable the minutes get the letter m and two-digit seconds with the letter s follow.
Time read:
5h02
